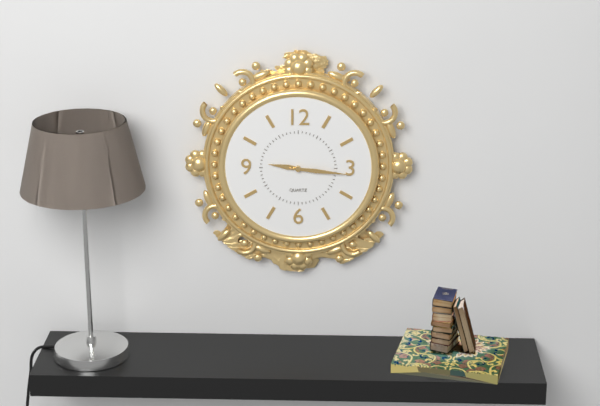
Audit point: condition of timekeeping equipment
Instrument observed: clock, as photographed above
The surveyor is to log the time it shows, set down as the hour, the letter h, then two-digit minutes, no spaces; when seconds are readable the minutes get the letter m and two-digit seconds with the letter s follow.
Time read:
9h16
